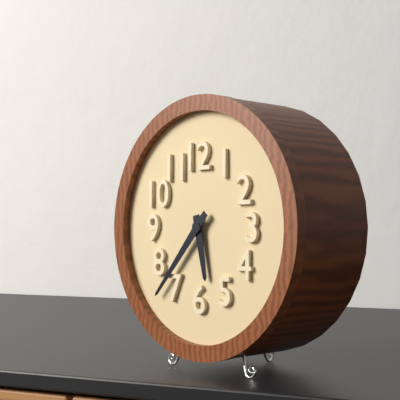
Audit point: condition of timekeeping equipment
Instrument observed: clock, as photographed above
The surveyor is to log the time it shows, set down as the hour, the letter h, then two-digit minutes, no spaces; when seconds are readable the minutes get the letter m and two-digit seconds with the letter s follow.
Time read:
5h37
